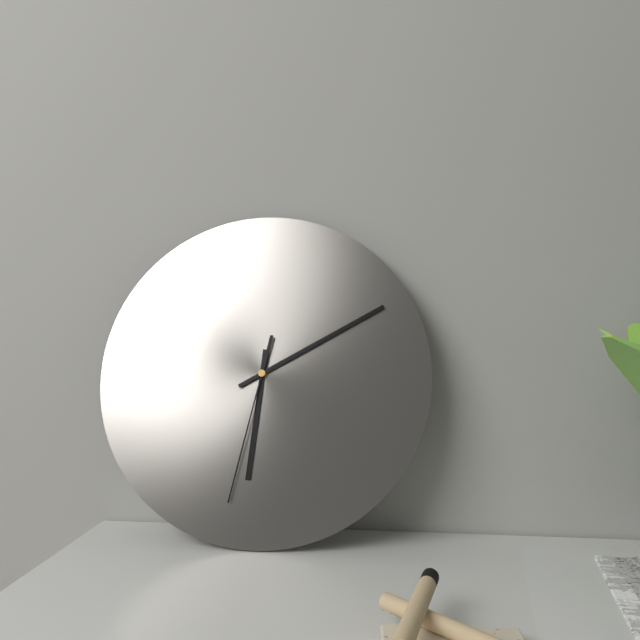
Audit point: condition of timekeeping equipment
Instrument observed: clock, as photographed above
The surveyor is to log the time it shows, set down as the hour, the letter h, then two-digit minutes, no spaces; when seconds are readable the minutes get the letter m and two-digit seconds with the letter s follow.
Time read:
6h10m32s
